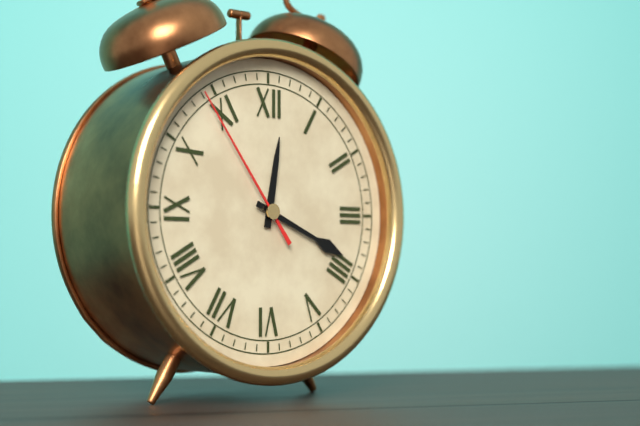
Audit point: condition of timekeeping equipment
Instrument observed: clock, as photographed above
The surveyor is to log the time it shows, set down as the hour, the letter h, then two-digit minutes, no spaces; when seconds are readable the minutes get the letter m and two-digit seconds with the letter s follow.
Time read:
12h19m54s
